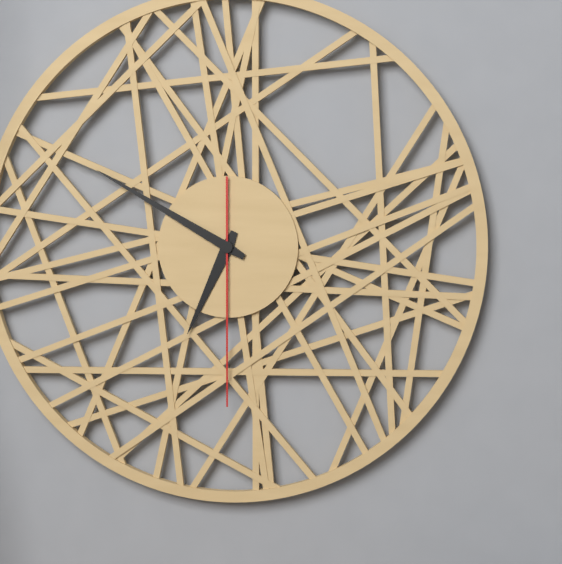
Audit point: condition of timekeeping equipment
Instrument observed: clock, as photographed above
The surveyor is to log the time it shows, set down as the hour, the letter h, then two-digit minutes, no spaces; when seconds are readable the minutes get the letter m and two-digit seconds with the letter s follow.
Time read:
6h50m30s
